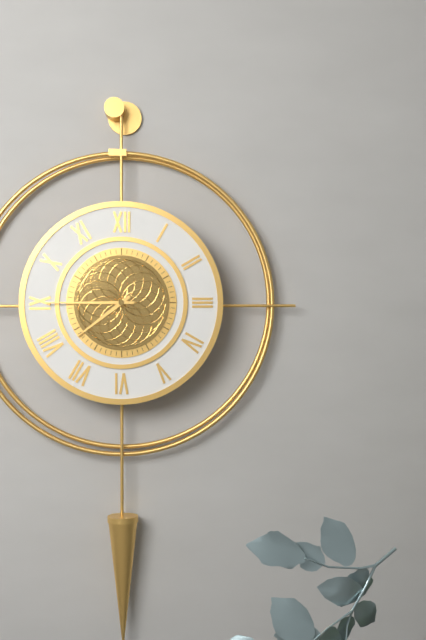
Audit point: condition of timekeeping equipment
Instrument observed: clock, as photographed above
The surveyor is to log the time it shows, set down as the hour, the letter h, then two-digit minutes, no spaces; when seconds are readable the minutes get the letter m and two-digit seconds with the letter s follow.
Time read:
7h45
